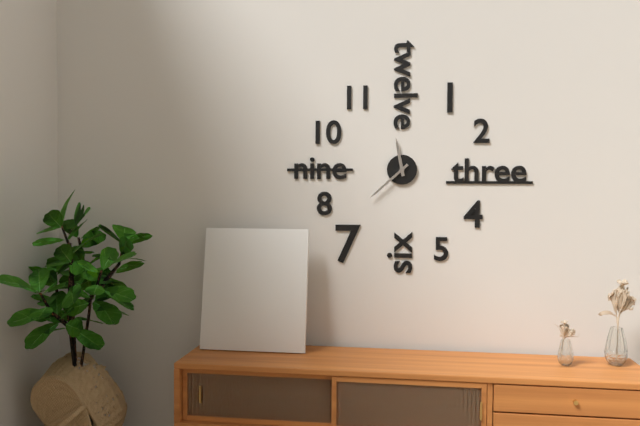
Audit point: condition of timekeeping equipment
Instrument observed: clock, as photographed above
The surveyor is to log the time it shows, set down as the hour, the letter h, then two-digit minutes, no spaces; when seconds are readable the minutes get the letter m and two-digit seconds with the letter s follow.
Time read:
11h38
